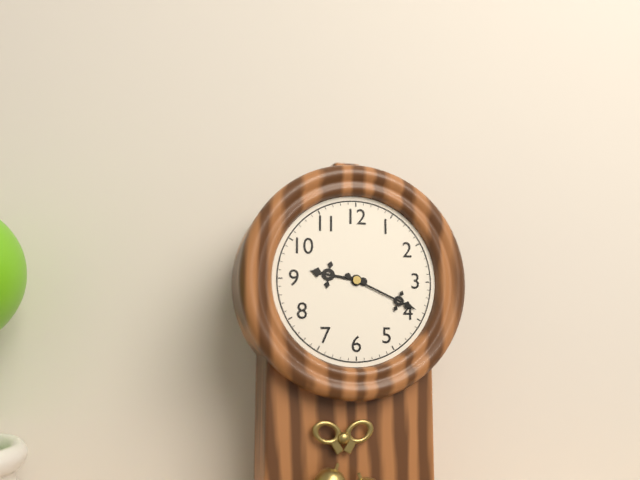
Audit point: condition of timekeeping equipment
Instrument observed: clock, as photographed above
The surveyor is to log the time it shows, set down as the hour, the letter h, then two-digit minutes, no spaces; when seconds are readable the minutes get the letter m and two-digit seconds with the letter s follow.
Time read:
9h19
